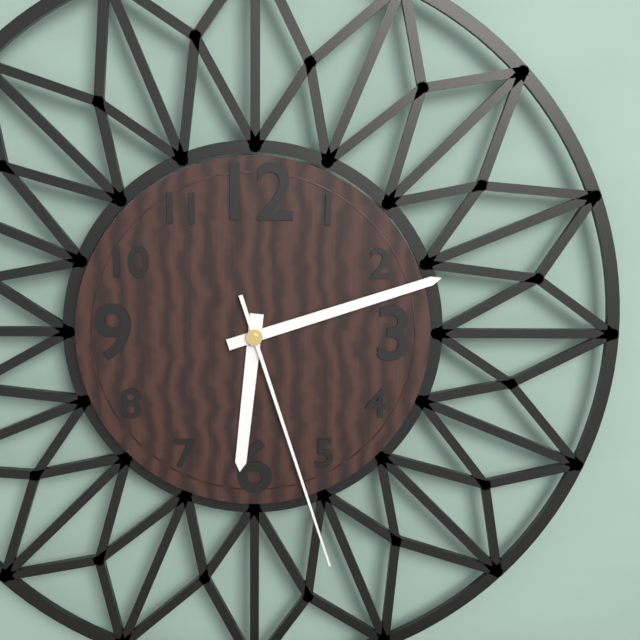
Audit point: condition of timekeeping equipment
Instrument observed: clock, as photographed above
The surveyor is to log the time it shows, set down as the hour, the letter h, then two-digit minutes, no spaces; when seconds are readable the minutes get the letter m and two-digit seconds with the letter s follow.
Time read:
6h12m27s
